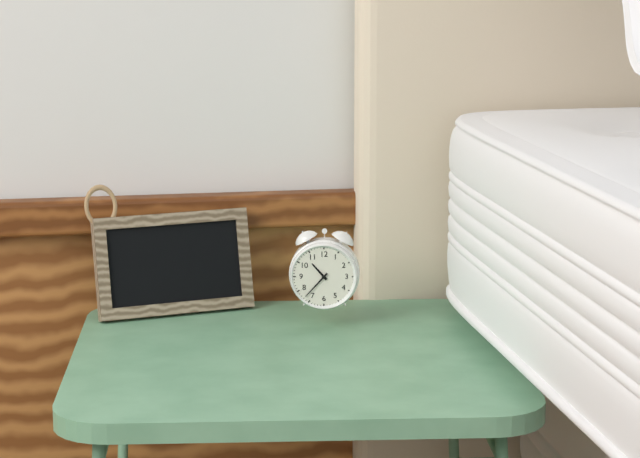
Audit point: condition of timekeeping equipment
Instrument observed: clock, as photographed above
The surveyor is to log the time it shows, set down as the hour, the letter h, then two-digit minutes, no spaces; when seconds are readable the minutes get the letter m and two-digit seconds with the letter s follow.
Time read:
10h37
